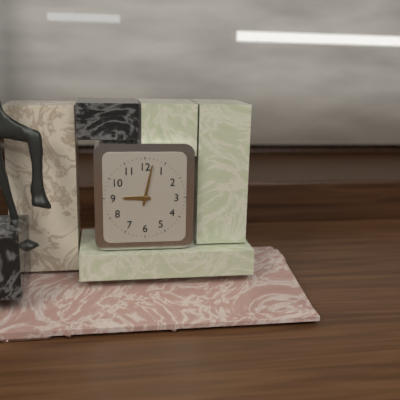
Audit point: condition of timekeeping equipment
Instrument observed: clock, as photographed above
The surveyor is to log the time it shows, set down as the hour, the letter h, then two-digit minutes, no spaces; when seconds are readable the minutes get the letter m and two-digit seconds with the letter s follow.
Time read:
9h02
